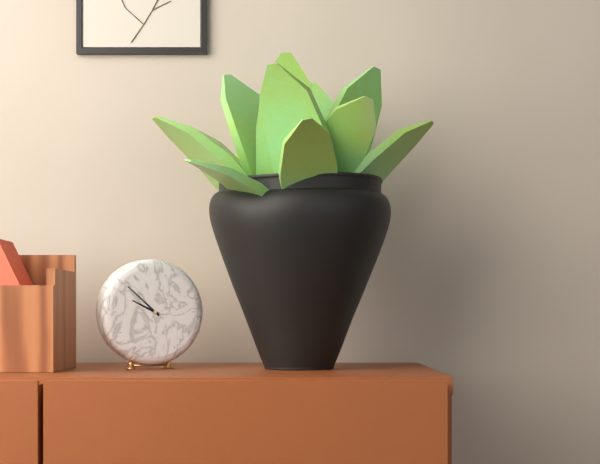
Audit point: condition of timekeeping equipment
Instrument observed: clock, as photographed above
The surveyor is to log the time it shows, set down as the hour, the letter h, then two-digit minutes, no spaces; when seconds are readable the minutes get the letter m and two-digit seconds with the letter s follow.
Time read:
9h52
